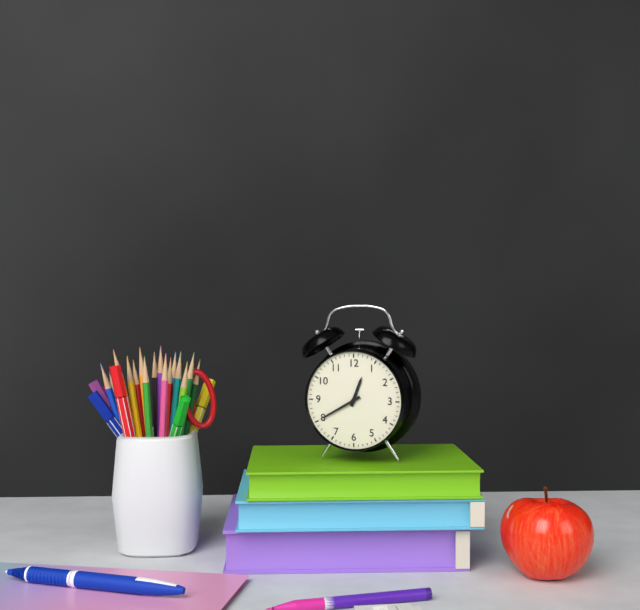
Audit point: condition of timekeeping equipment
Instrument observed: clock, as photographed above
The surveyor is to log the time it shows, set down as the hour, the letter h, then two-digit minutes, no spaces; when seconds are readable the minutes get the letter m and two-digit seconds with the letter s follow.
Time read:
12h40
